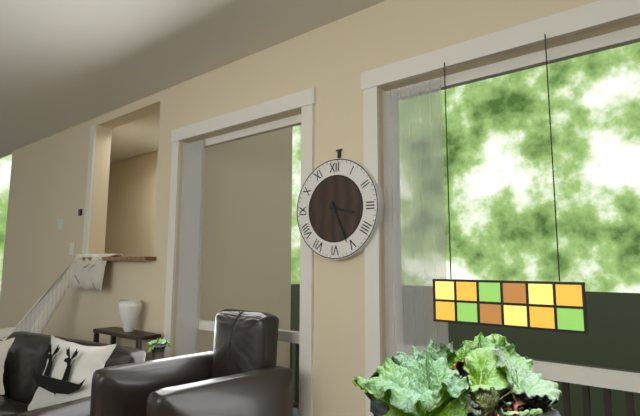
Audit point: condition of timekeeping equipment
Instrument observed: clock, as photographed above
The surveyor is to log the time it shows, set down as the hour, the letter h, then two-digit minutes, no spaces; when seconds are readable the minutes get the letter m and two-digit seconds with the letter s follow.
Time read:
3h26
